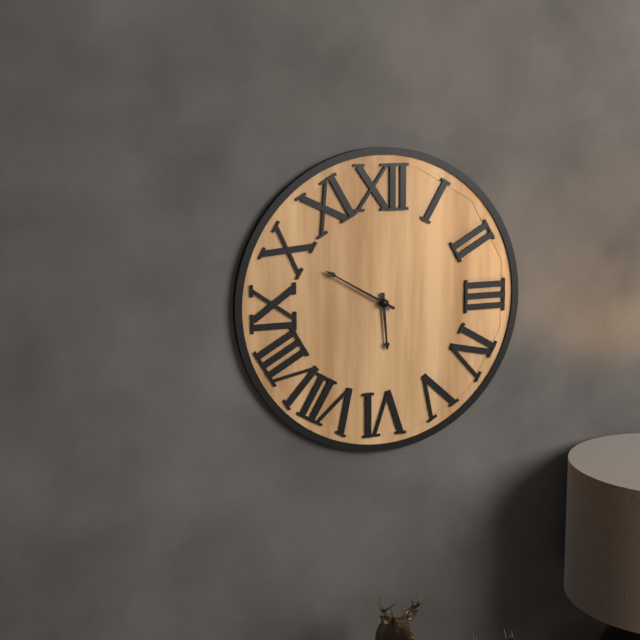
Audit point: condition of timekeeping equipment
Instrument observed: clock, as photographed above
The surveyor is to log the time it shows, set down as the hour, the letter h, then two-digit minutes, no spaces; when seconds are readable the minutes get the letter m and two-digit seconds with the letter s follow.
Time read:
5h50
